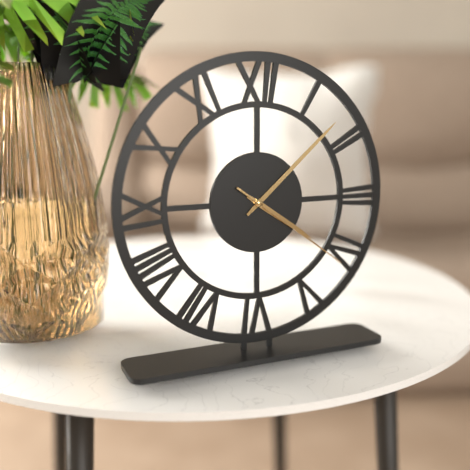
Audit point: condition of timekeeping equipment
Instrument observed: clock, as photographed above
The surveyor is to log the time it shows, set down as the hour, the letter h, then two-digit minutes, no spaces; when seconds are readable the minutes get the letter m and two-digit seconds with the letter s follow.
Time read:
4h08m21s
